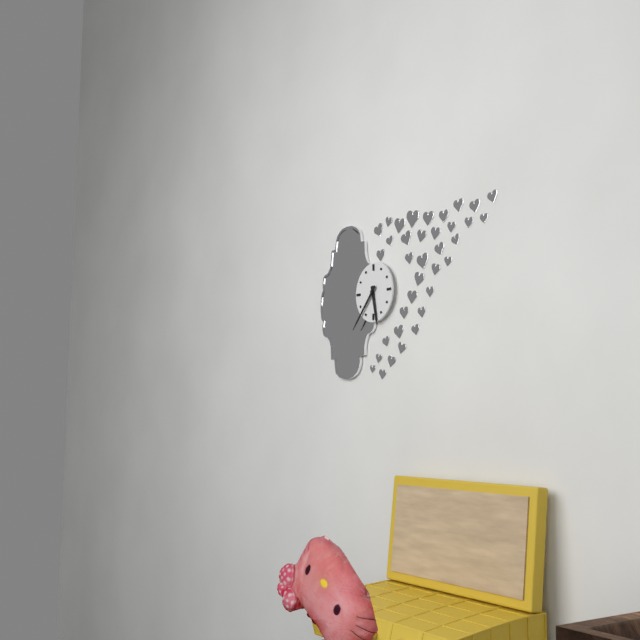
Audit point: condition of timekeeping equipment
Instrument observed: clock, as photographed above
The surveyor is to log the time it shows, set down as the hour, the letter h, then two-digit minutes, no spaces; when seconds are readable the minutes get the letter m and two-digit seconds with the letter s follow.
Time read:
5h37
